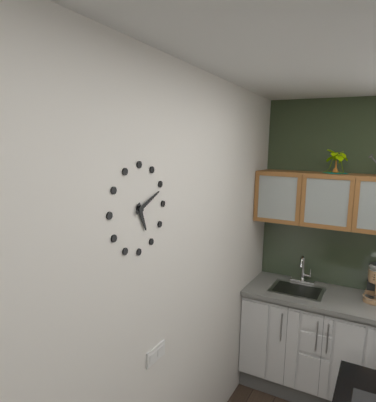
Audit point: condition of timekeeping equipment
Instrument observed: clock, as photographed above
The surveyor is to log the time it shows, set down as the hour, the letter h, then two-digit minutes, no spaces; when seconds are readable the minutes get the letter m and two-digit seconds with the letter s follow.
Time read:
5h11
